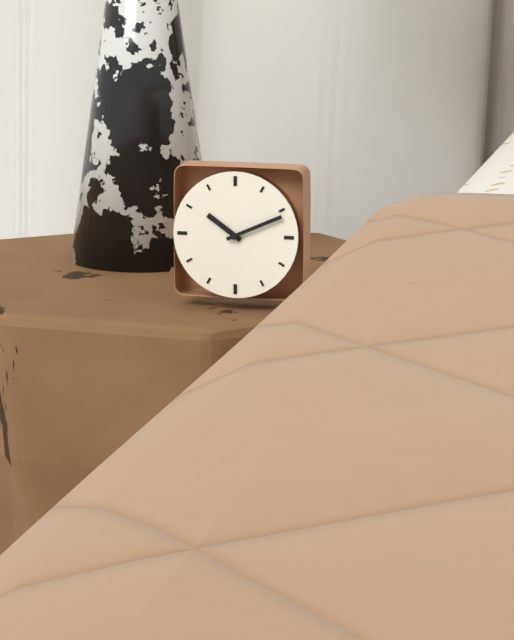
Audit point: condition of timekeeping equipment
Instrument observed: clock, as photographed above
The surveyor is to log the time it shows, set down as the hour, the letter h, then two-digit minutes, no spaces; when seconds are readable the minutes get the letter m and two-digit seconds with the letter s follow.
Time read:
10h11
